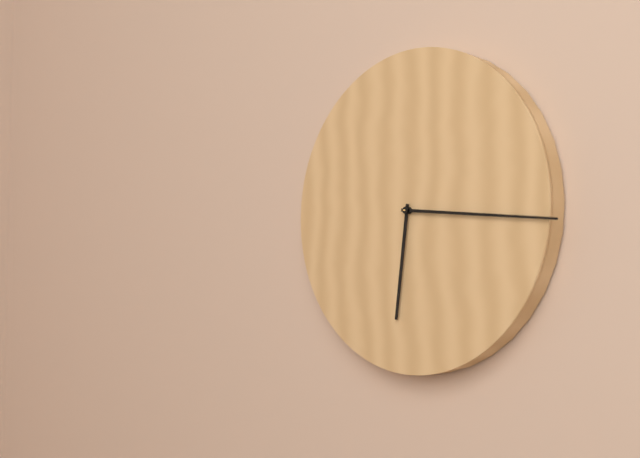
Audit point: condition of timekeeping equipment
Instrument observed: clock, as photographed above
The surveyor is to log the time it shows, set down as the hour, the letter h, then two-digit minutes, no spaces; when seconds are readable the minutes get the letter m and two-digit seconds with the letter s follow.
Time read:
6h16
